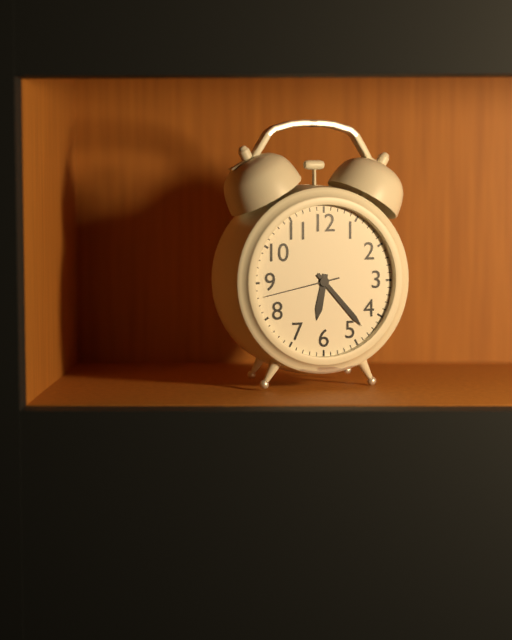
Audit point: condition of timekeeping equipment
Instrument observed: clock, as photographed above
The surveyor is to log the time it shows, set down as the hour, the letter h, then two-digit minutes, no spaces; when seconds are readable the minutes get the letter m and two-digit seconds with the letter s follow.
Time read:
6h23m43s
